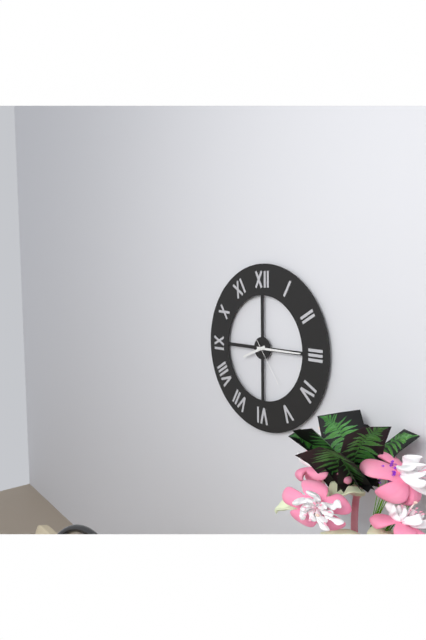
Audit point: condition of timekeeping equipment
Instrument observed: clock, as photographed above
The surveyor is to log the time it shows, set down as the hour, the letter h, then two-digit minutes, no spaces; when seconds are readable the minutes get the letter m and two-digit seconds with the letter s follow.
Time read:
8h15
